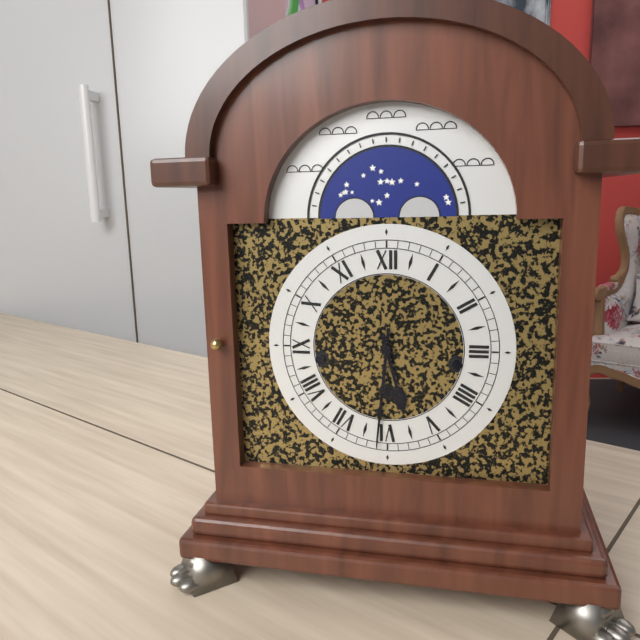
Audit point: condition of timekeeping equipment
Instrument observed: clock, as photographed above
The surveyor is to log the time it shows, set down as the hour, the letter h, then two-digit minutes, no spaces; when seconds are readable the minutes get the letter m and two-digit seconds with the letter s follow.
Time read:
5h31
